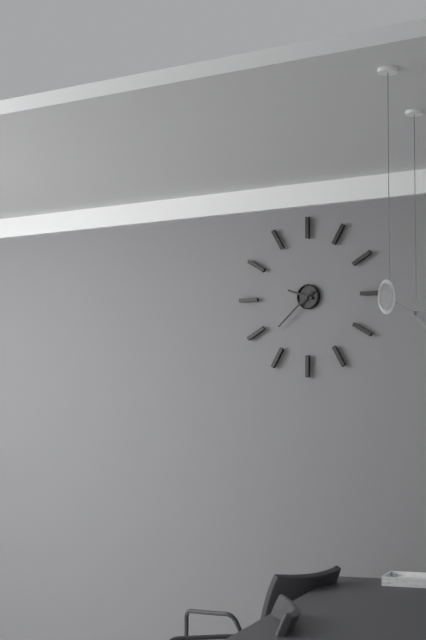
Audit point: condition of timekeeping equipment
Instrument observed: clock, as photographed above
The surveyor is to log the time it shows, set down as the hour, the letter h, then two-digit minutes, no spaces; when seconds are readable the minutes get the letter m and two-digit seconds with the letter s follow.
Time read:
9h38
